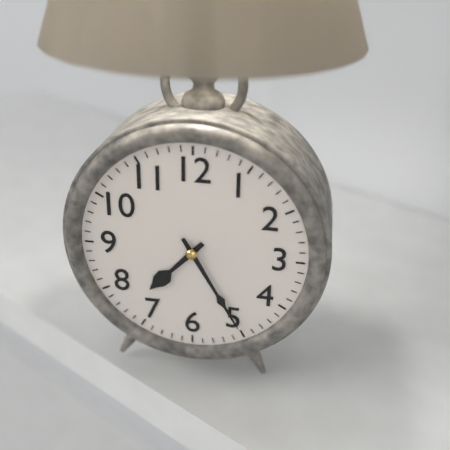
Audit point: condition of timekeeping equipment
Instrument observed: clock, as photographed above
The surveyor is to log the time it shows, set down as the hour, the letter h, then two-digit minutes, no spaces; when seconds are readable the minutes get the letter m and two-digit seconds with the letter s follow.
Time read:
7h25
